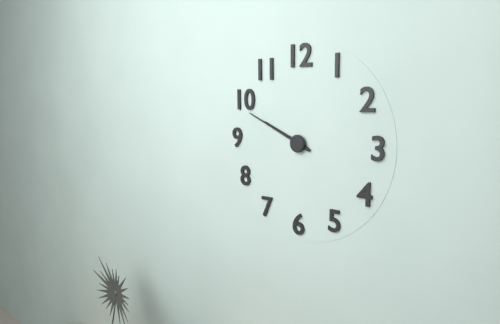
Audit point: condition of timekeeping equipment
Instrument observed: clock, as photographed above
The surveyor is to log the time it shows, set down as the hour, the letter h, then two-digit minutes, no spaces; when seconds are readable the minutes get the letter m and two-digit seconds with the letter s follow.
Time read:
9h49
